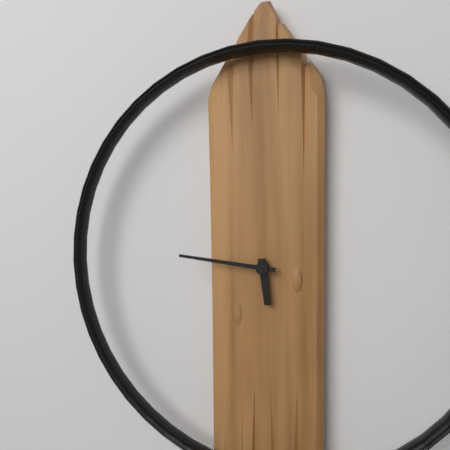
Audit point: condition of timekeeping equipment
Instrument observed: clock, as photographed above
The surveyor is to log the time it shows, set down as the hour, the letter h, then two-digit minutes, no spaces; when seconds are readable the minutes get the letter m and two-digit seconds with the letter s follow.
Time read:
5h46
